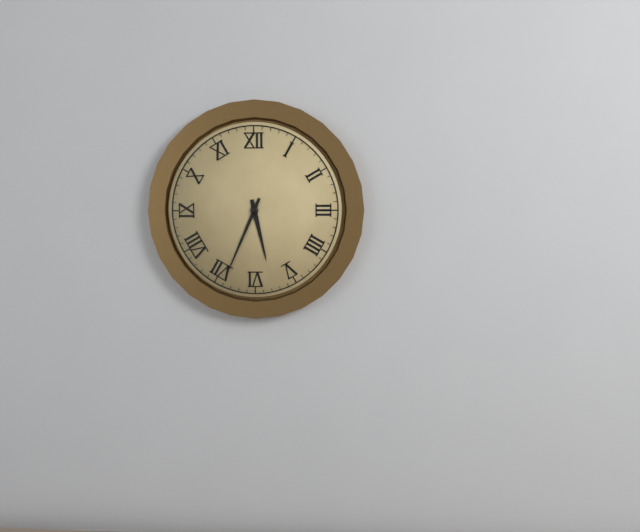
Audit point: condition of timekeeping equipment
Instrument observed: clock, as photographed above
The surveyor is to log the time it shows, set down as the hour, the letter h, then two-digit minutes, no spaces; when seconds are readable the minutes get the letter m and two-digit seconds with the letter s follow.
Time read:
5h34
